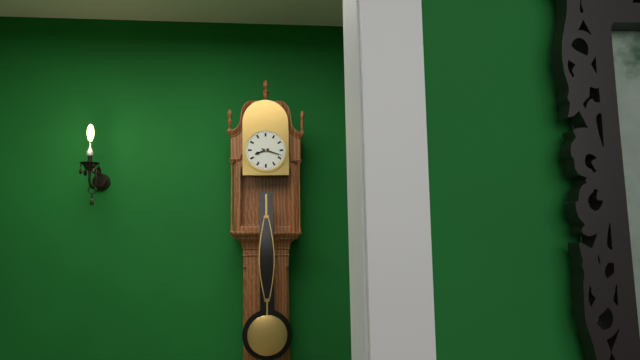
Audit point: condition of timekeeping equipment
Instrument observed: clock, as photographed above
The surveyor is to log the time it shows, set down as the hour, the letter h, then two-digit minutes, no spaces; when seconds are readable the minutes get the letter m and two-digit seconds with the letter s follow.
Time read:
8h18
